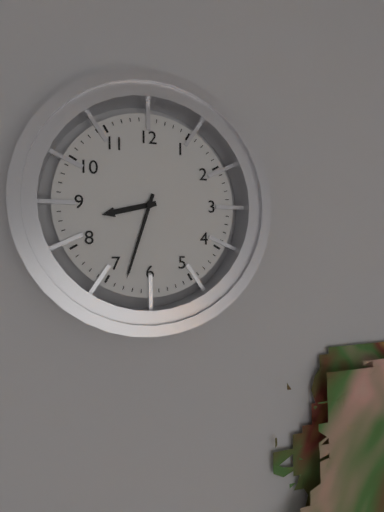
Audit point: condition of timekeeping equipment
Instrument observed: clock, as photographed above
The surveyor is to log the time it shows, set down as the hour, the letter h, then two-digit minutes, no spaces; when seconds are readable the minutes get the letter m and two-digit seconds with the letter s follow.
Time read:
8h33
